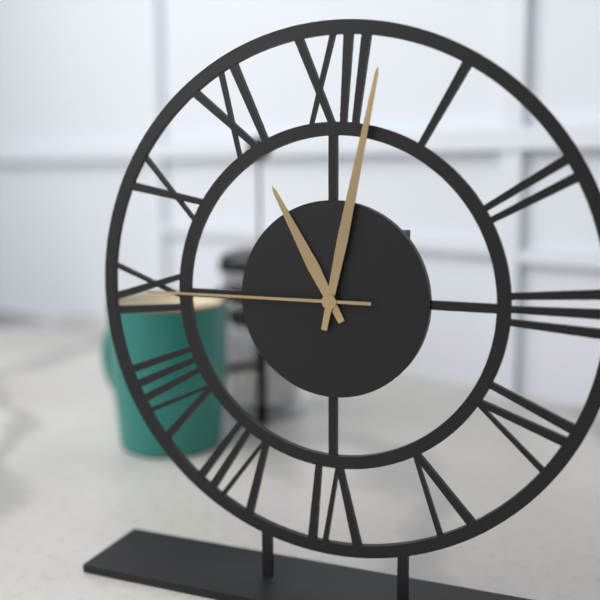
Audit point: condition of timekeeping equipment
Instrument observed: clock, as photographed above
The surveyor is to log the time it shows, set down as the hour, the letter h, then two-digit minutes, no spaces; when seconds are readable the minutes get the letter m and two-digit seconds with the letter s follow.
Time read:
11h02m45s
